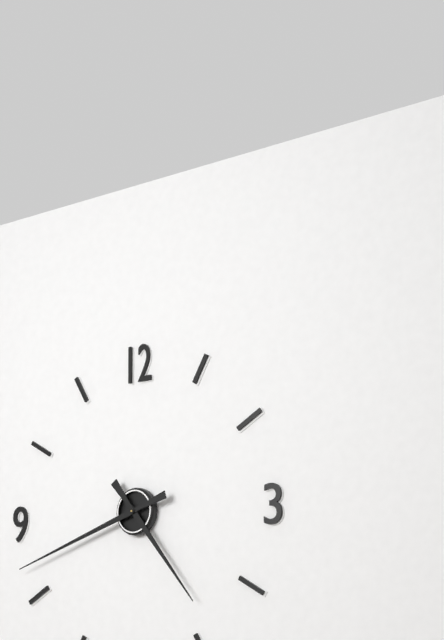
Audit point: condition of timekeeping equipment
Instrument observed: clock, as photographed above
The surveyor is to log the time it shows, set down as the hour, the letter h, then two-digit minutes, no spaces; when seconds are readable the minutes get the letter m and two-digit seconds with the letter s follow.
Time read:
4h42
